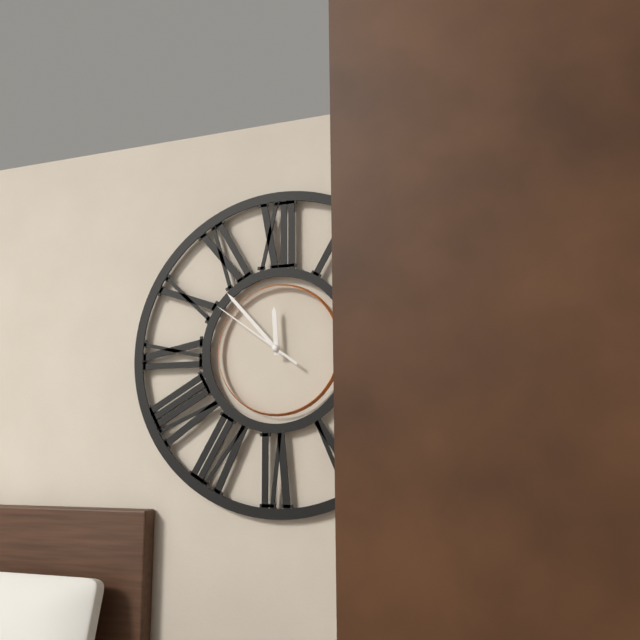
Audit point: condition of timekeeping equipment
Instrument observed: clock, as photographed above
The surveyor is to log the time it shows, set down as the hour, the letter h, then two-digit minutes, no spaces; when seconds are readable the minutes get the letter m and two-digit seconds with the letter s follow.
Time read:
11h53m51s
